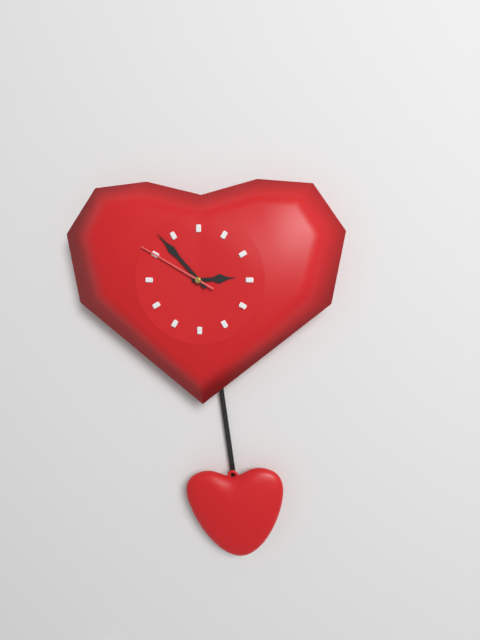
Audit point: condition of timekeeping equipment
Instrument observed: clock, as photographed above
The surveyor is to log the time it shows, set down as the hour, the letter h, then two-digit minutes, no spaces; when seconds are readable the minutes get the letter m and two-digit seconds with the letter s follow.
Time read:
2h53m50s
